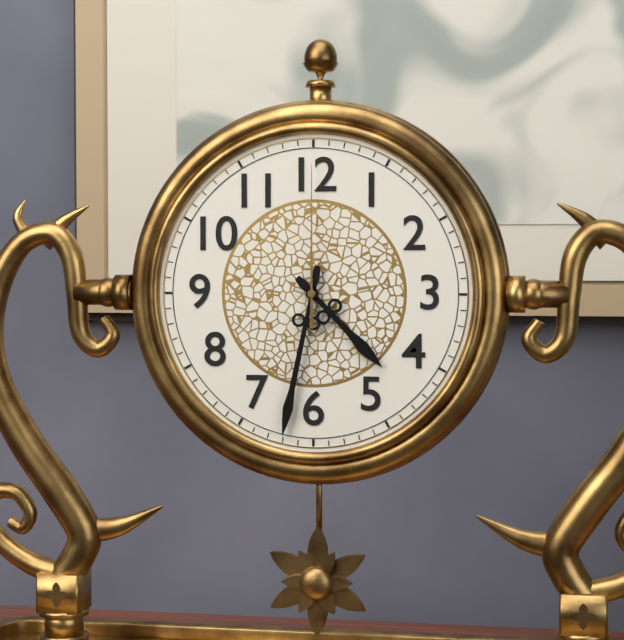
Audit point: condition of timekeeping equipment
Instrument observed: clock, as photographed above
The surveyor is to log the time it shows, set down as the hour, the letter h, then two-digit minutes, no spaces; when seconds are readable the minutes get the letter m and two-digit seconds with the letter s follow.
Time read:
4h32m00s
